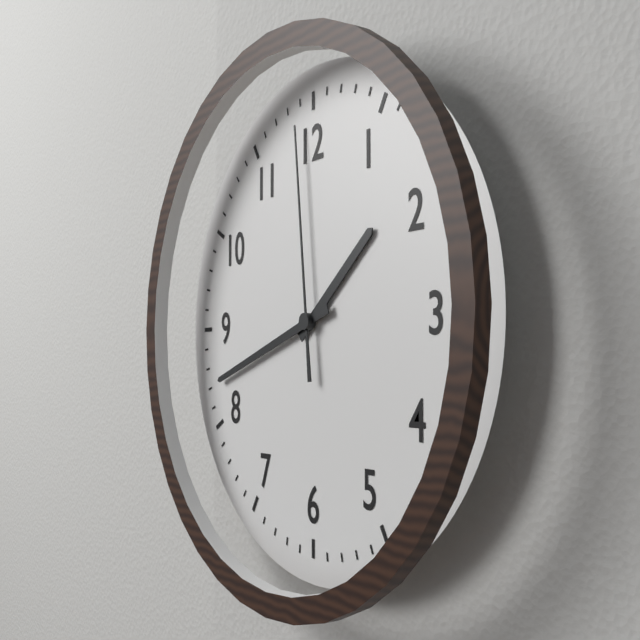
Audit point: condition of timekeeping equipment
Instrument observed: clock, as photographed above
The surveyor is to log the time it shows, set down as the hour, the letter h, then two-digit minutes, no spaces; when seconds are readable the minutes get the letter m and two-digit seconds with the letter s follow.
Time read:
1h42m59s
